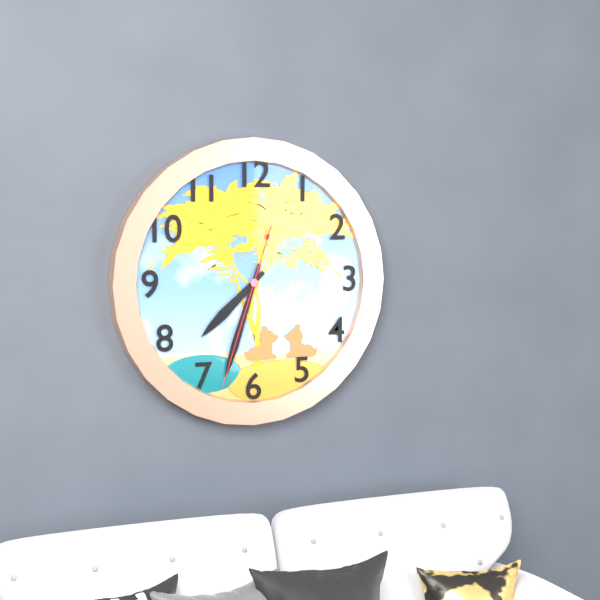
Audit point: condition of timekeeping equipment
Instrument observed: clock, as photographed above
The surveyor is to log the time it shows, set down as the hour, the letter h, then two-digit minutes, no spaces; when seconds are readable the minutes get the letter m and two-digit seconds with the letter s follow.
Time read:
7h33m33s
